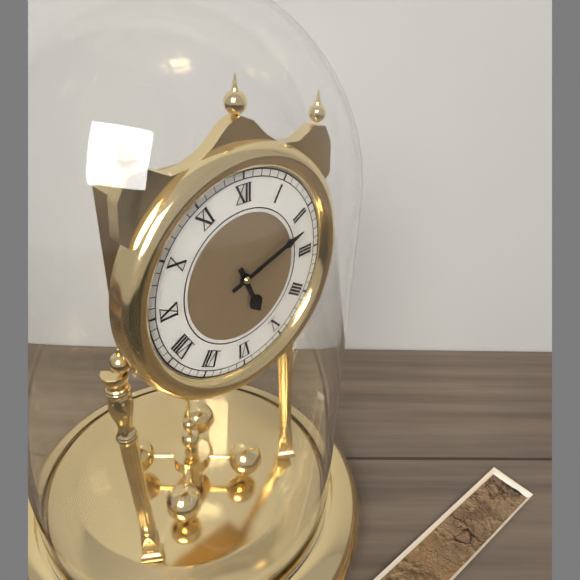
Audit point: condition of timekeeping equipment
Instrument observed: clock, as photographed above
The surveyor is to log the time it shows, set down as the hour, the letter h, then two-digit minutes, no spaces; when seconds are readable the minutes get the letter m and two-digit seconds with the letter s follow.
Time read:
5h12
